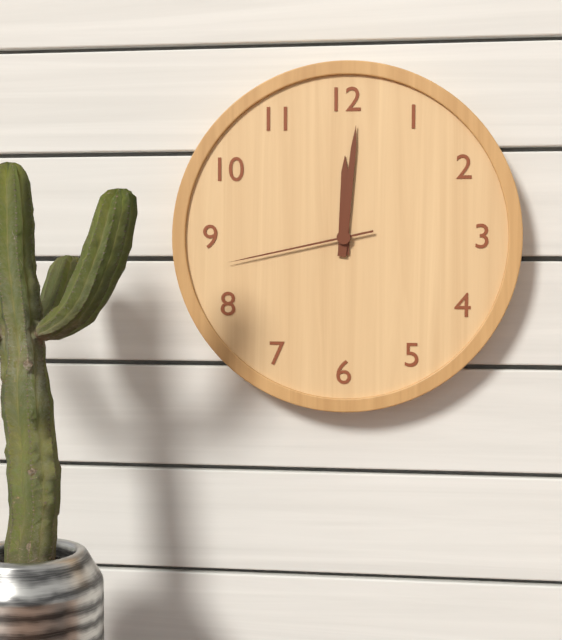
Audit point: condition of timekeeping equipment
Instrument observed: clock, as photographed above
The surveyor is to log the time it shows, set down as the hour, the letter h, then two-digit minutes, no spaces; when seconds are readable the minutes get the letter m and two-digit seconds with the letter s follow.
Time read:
12h01m43s
